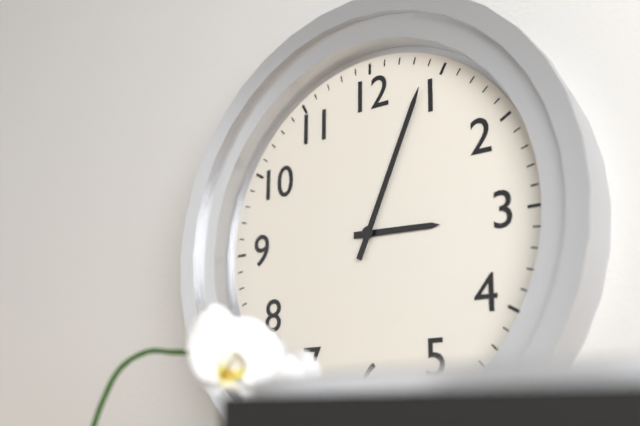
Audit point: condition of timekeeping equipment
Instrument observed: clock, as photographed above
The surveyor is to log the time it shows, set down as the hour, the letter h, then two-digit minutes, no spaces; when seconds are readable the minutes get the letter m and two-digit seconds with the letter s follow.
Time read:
3h04
